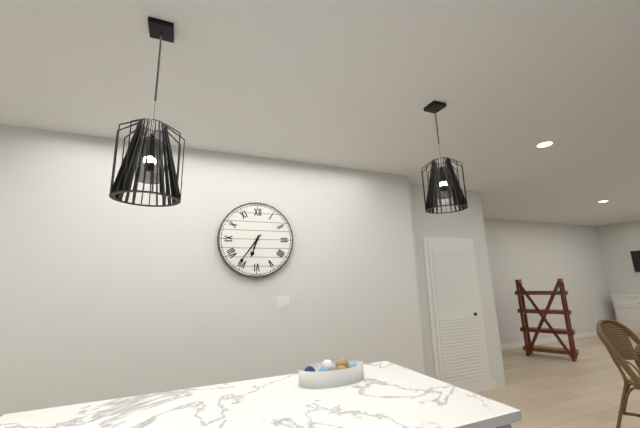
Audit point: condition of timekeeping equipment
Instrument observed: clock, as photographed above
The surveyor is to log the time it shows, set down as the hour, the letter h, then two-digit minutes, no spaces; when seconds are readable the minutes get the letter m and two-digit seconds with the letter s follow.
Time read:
6h36
